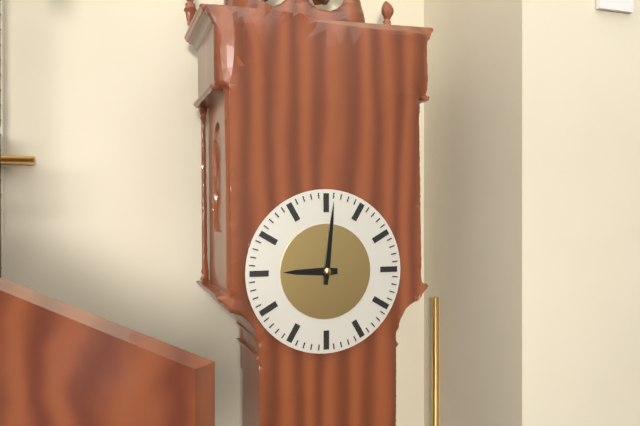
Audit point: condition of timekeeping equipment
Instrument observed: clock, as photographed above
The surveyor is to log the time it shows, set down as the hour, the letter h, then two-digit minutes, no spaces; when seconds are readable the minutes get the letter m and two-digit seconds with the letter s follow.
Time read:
9h01
